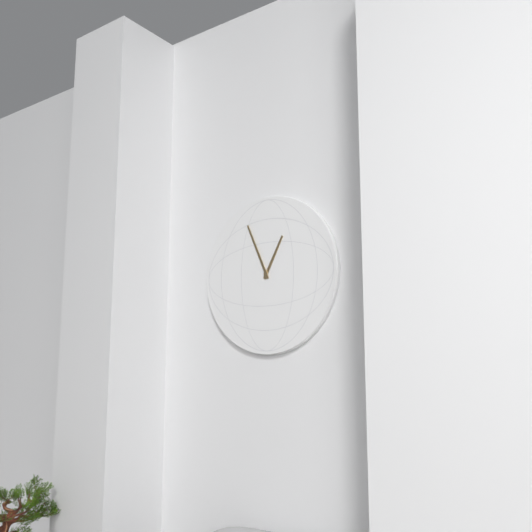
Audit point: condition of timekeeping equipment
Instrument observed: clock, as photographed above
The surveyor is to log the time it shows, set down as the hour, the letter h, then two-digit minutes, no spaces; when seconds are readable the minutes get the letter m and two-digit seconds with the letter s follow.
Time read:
12h56
